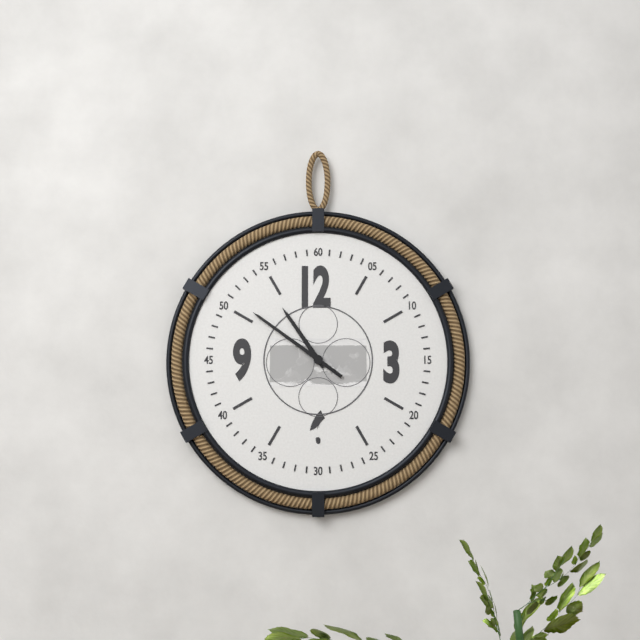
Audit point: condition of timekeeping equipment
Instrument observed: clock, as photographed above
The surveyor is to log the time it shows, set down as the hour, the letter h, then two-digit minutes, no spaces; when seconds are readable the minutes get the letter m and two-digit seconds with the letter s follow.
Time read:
10h51
